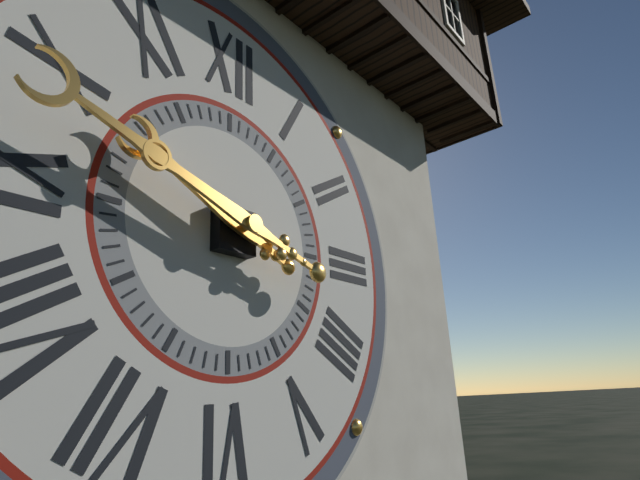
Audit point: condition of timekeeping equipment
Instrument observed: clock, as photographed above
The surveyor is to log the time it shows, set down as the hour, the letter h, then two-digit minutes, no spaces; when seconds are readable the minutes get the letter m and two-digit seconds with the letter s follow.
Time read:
9h48
